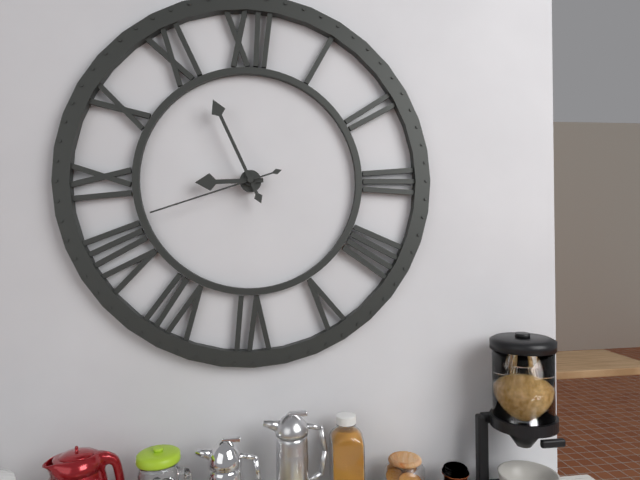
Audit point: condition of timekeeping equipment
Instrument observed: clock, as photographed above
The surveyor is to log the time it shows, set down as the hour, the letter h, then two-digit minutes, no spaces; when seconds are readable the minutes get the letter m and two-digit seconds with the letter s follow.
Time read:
8h56m42s
